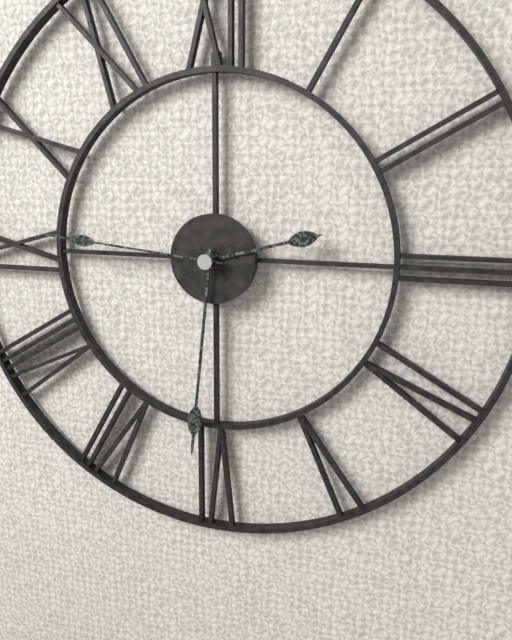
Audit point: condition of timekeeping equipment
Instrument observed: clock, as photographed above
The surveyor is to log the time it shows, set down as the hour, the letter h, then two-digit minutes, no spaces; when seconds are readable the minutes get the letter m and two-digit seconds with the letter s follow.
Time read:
2h31m46s
